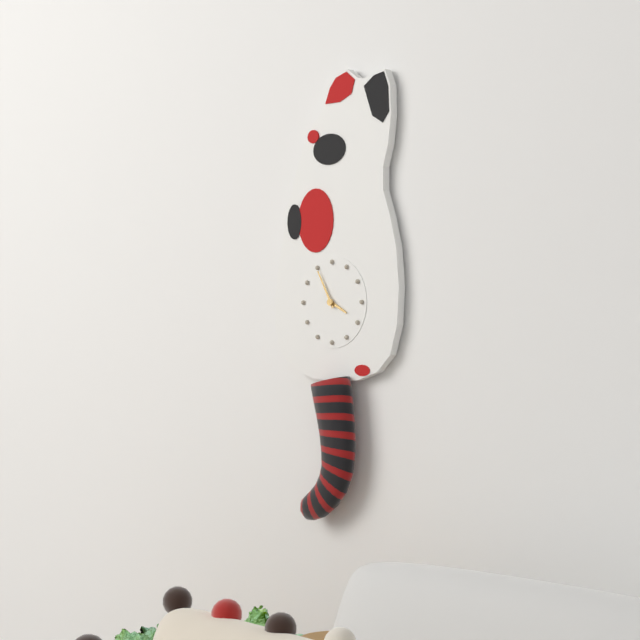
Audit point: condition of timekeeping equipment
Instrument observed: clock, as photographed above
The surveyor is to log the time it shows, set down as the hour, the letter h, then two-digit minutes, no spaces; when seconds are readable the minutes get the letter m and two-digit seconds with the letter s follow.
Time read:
3h55
